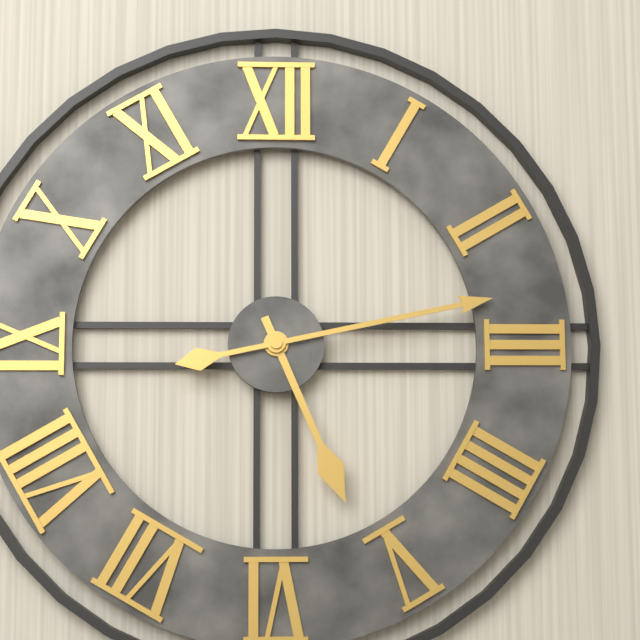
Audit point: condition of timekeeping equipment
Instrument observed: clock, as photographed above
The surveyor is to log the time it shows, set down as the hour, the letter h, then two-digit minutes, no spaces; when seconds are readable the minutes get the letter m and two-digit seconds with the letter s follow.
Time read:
5h13
